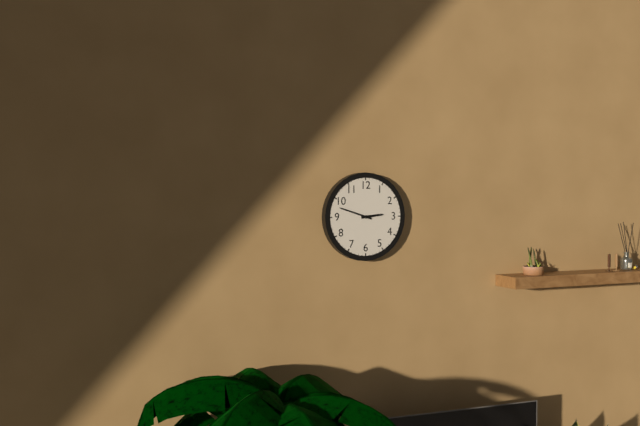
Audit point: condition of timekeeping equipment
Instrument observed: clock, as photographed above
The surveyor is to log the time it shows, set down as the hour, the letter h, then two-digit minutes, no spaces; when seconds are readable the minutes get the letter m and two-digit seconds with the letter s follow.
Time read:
2h48
